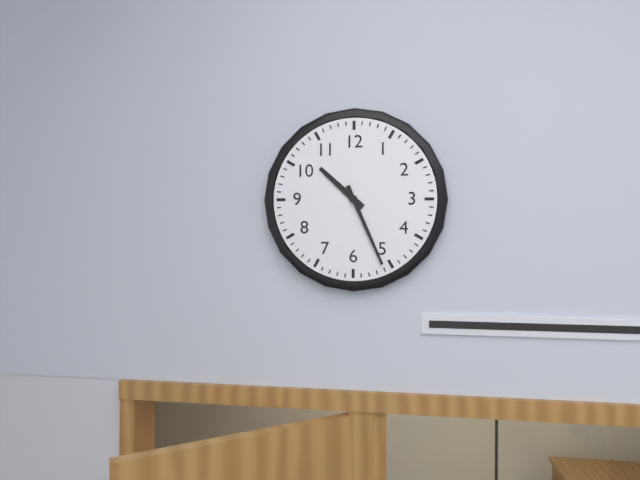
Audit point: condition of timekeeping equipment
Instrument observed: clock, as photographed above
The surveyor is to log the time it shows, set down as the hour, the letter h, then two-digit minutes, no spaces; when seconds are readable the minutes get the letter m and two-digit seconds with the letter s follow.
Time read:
10h26
